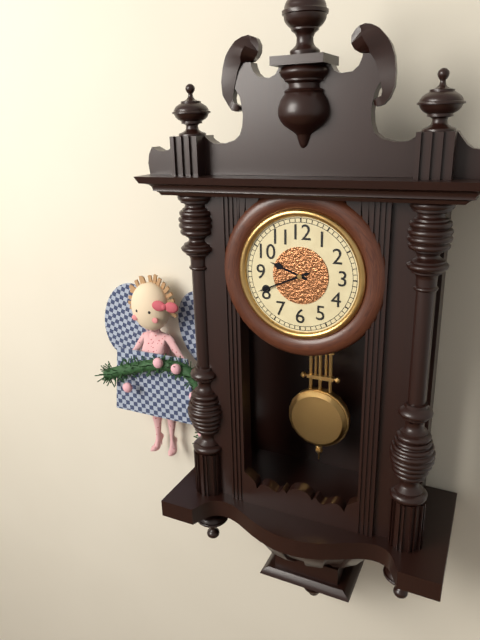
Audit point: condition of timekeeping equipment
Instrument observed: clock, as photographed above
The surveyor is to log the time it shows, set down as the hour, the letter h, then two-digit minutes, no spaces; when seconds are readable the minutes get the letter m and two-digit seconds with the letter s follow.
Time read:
9h41
